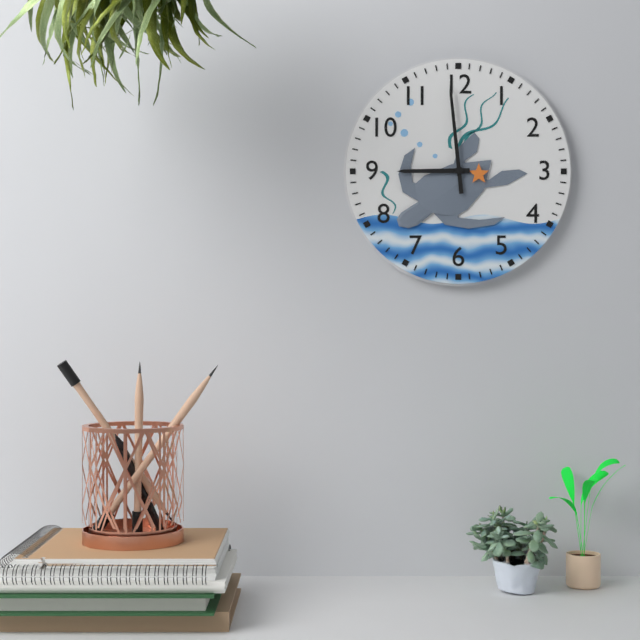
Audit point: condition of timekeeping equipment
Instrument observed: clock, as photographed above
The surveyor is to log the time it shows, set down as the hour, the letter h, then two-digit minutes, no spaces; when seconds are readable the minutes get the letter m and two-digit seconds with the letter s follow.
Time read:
8h59
